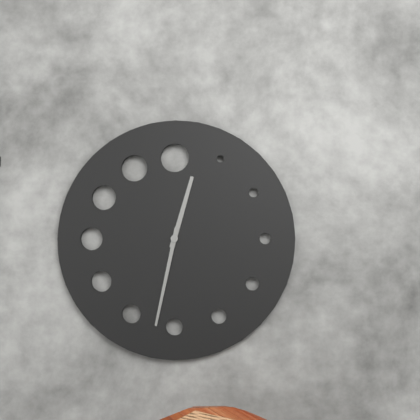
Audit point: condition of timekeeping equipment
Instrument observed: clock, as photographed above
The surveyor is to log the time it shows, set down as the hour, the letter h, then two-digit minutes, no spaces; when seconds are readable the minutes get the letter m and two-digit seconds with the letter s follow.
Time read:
12h32
